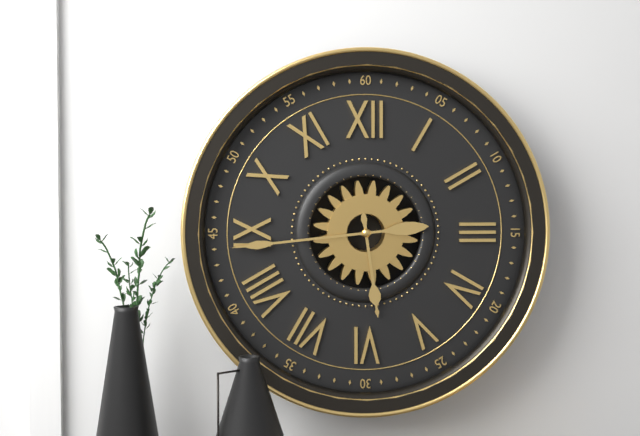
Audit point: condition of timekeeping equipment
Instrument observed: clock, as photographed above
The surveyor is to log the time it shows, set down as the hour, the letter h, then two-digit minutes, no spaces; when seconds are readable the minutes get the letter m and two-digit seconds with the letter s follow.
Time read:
5h44
